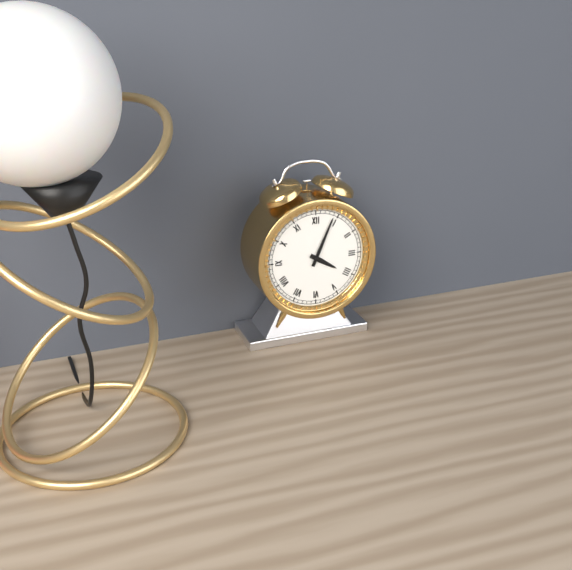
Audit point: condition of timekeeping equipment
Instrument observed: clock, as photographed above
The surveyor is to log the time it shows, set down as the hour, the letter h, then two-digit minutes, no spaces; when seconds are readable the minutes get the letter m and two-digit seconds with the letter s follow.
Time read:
4h04
